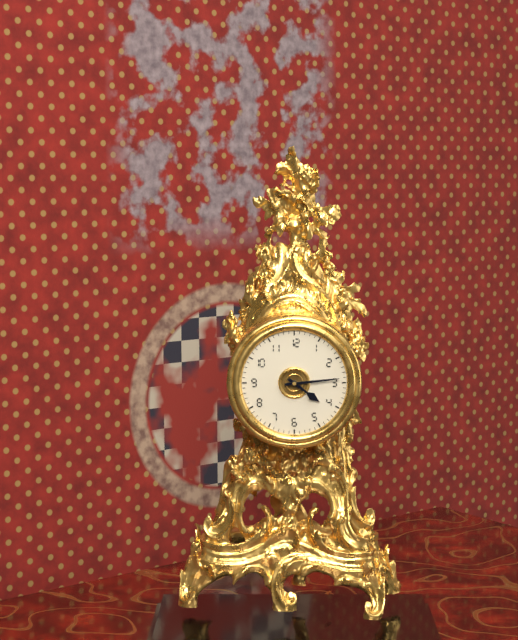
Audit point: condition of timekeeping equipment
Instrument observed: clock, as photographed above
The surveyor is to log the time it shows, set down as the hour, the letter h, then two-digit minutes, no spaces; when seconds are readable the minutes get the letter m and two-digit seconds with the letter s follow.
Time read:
4h14
